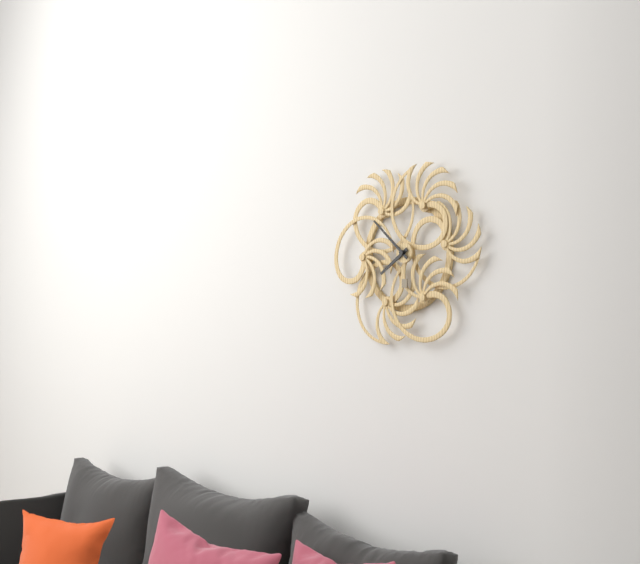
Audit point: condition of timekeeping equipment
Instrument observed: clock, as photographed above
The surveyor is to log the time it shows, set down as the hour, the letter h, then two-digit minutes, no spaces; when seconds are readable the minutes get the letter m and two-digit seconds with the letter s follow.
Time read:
7h52
